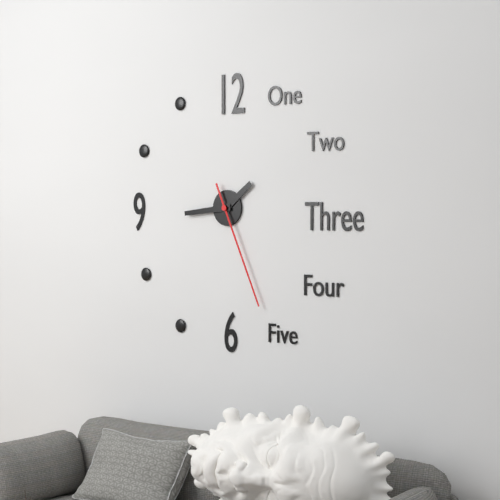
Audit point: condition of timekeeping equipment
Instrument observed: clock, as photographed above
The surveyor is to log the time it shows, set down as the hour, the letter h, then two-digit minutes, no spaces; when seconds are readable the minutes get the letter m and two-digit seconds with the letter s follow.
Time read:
1h44m26s
